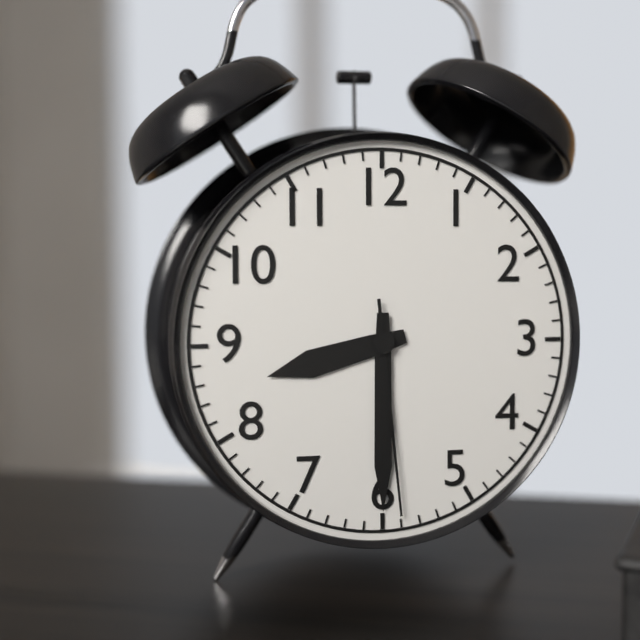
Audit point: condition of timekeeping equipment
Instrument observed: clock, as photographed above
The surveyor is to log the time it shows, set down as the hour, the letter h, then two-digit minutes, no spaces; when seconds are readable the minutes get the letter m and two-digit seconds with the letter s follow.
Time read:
8h30m29s
